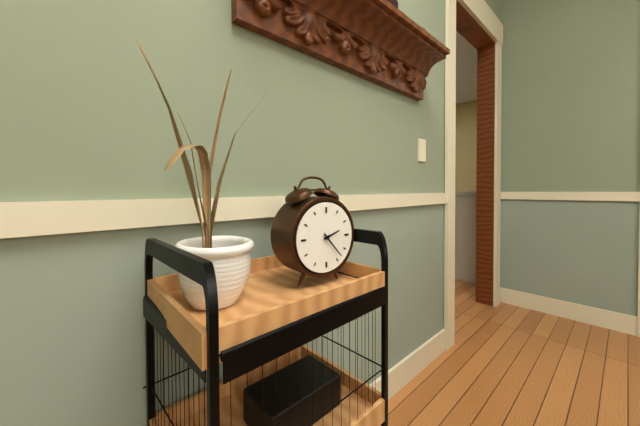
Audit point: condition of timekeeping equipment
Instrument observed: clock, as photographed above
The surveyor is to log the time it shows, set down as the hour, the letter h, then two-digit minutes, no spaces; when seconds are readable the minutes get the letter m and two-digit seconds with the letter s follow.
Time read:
2h23
